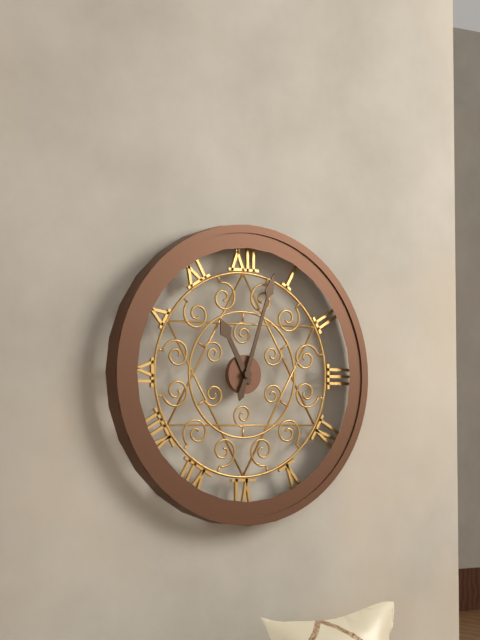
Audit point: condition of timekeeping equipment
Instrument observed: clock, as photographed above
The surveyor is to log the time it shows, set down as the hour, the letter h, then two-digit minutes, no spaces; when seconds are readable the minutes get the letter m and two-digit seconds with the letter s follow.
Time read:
11h03
